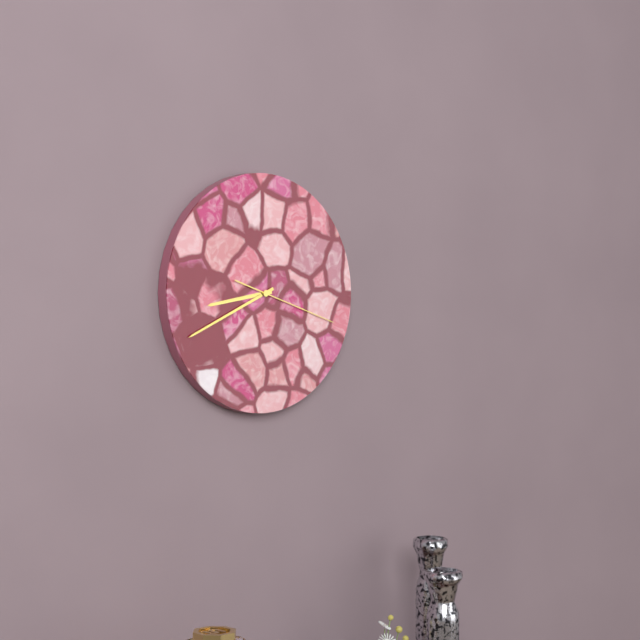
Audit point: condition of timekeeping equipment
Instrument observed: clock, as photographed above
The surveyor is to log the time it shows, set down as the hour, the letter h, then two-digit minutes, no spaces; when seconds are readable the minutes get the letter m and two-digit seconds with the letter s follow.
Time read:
8h41m18s
